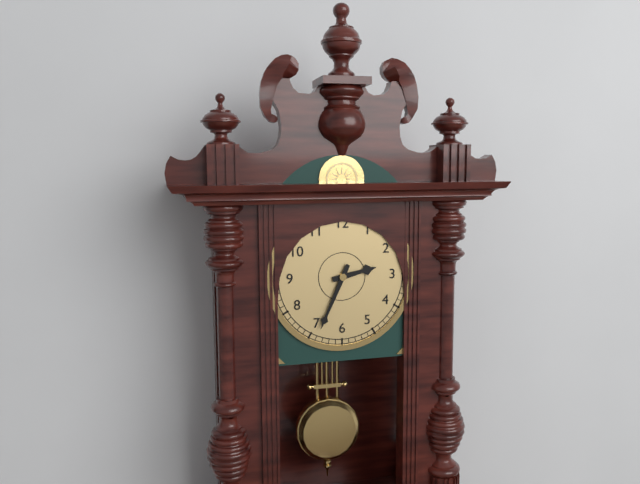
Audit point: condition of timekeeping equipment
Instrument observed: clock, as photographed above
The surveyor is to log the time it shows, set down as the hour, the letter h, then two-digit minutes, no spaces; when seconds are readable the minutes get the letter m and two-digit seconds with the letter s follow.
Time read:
2h34
